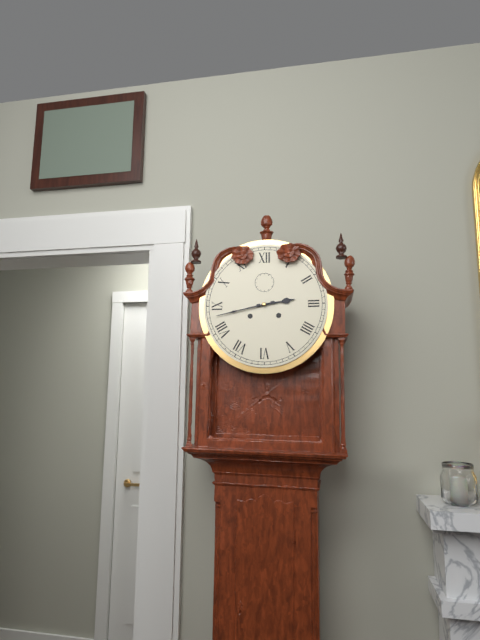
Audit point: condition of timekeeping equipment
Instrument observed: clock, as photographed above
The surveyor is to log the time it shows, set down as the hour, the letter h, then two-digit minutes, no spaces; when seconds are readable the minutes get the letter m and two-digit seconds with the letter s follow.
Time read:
2h43
